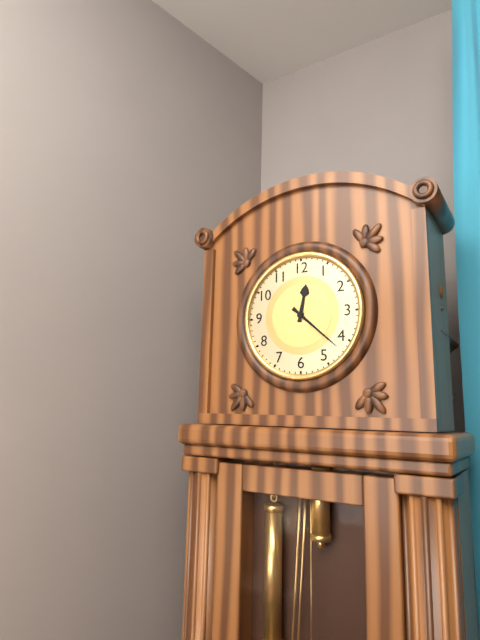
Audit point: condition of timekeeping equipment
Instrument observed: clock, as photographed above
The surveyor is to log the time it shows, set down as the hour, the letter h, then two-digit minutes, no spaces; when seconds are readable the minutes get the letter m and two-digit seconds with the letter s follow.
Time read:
12h22
